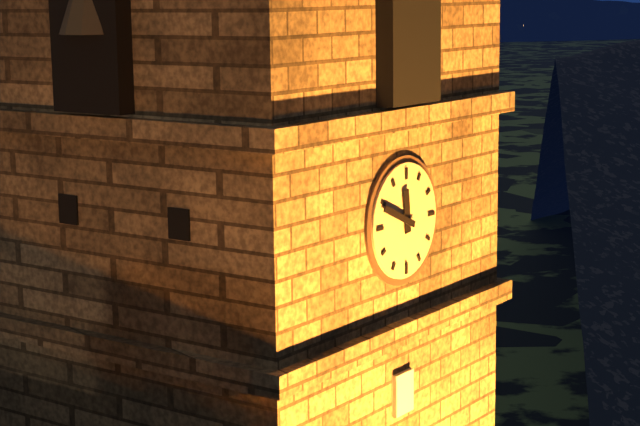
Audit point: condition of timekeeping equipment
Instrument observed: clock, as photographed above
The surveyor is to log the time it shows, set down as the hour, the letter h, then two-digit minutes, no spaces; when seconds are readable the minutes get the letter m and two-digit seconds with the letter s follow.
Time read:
11h49
